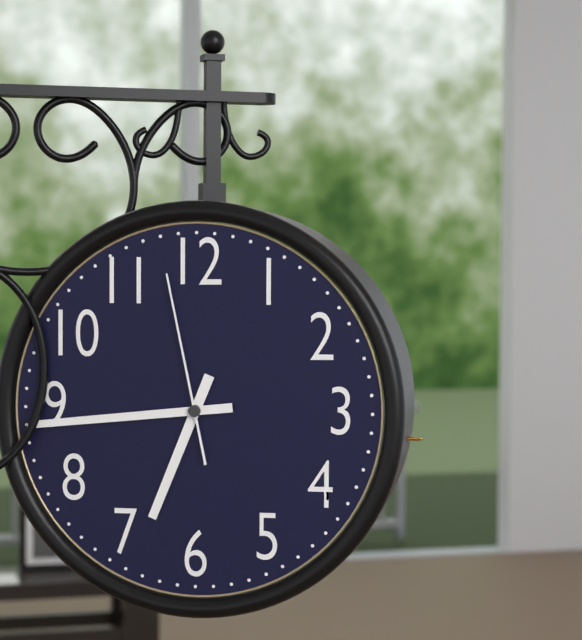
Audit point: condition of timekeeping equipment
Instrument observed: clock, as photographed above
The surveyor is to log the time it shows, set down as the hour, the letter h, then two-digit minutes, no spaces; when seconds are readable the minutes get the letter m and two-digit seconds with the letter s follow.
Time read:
6h44m58s
